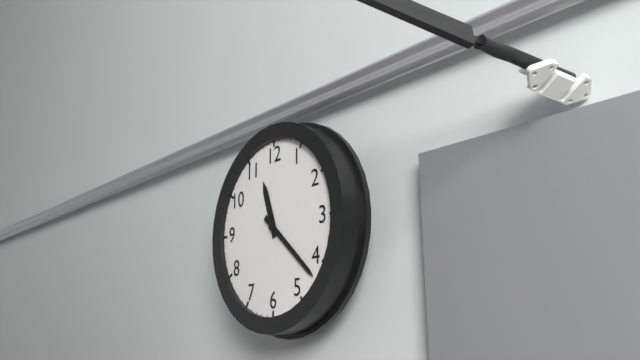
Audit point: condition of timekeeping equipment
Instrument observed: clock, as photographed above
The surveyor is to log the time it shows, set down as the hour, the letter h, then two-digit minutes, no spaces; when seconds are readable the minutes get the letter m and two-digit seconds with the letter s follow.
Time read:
11h22
